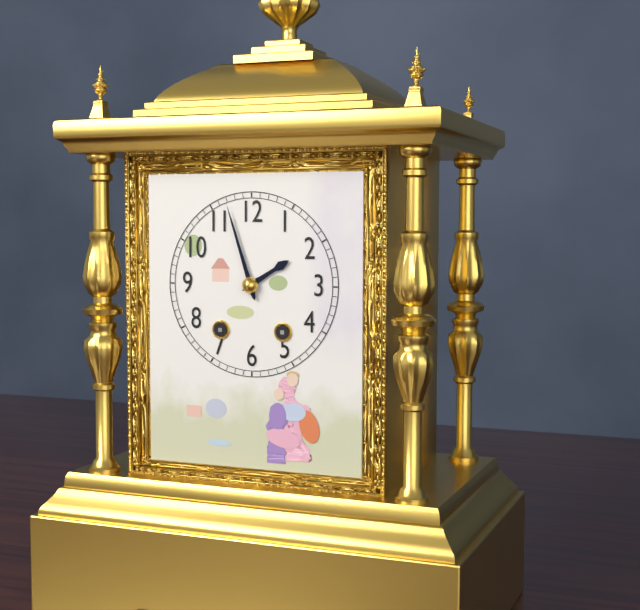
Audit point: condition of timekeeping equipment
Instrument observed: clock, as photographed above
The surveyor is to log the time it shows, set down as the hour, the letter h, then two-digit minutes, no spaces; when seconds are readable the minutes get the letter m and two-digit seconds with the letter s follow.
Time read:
1h57
